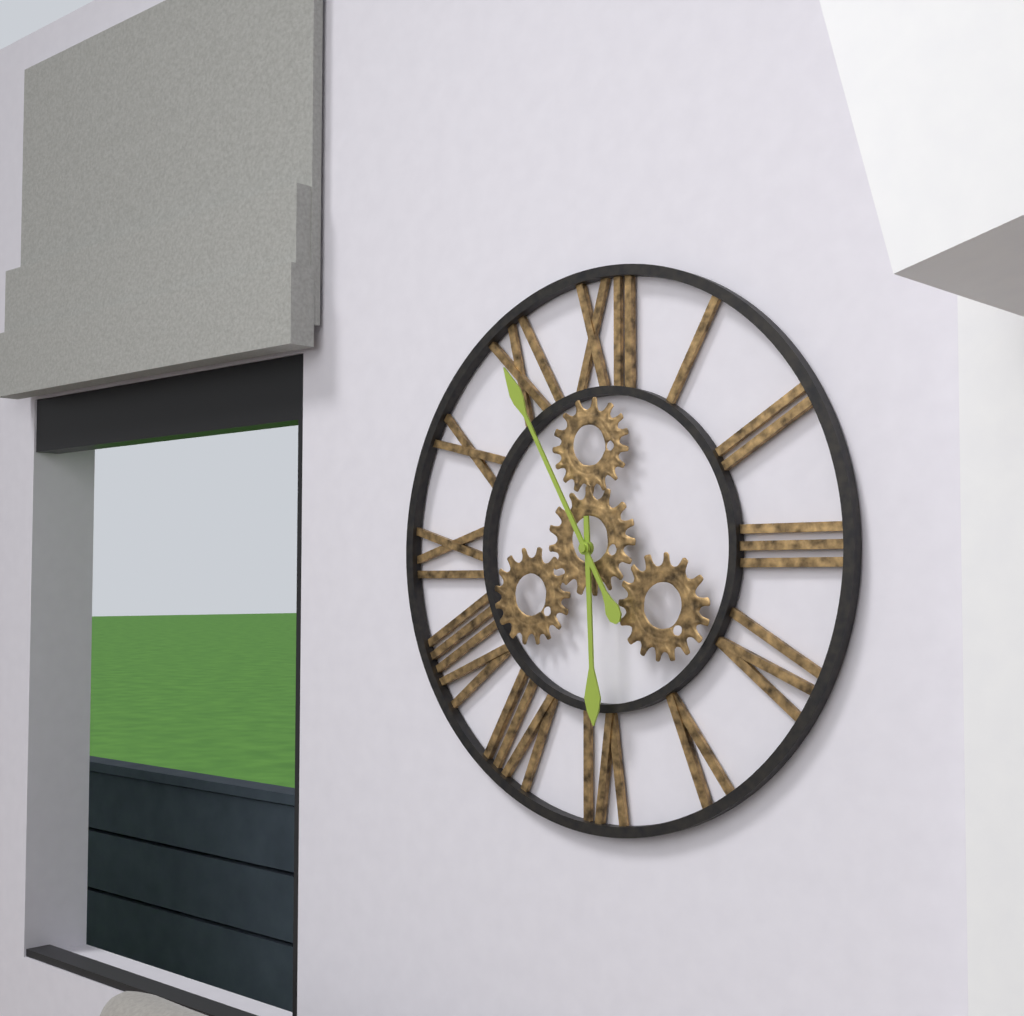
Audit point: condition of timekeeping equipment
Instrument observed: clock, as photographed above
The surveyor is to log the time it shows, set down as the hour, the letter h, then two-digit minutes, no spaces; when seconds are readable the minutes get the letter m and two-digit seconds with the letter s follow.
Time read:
5h55
